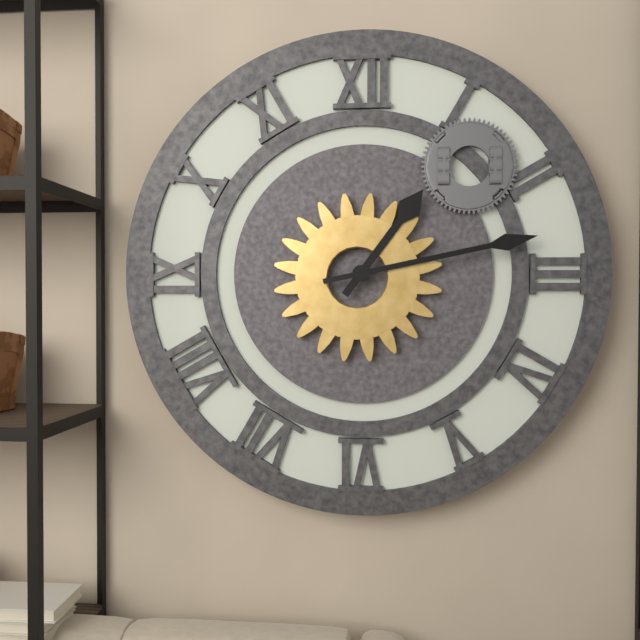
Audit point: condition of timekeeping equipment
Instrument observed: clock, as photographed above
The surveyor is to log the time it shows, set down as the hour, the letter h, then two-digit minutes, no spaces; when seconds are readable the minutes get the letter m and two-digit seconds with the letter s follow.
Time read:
1h13
